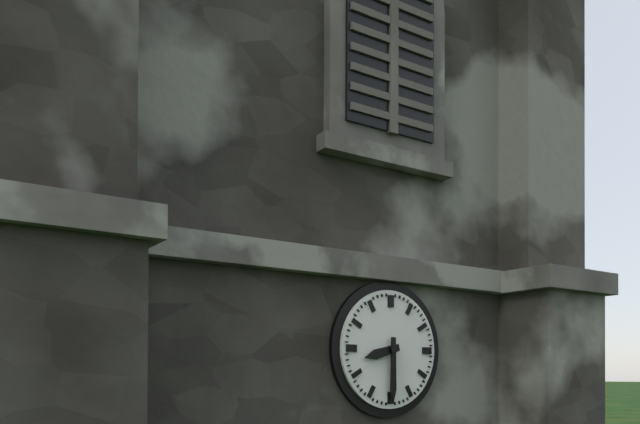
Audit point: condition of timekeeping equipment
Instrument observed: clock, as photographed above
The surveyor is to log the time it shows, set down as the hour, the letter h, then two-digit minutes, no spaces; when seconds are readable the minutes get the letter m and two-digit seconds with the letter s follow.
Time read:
8h30
